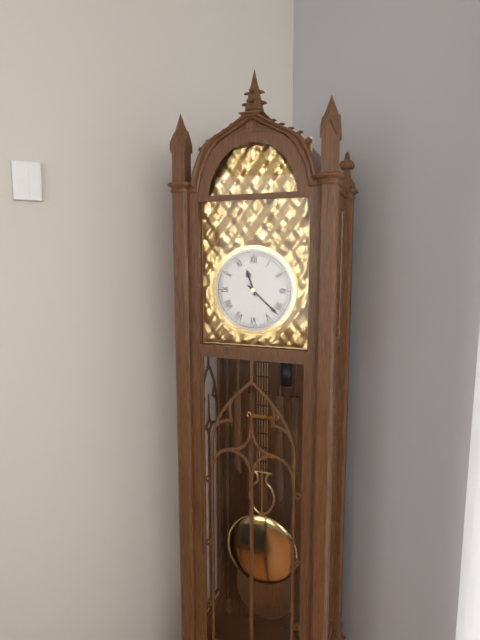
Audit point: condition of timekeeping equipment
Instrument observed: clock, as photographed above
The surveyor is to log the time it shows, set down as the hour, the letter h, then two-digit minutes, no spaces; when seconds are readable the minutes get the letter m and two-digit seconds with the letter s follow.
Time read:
11h22
